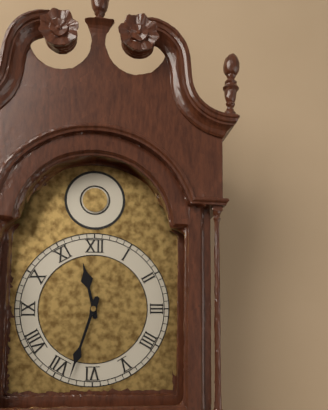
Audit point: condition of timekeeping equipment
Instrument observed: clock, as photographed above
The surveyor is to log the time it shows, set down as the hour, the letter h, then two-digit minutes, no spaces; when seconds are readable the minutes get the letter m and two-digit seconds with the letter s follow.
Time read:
11h33
